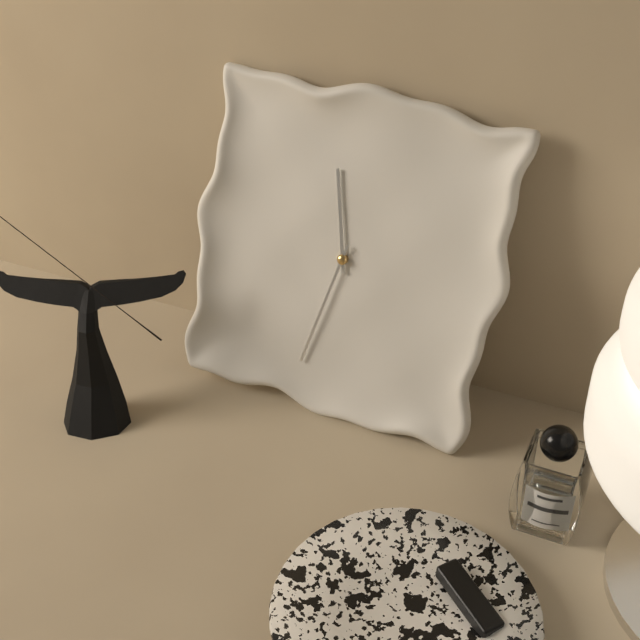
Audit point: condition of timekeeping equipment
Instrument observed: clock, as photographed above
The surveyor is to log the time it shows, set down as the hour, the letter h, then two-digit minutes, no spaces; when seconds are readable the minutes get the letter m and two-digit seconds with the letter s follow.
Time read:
11h32
